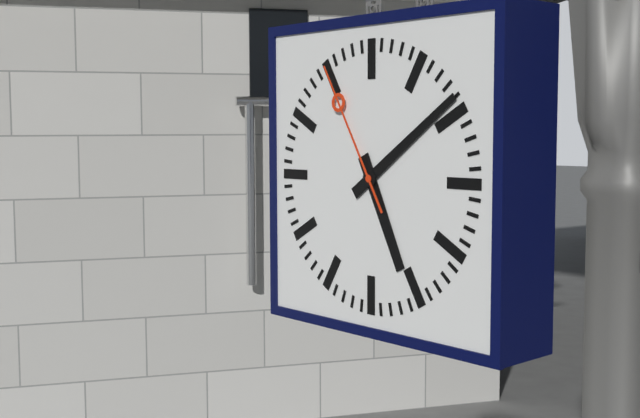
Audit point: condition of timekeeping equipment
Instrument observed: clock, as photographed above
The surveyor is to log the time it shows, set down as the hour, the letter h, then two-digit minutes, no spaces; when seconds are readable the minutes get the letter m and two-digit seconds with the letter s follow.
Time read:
5h09m55s
